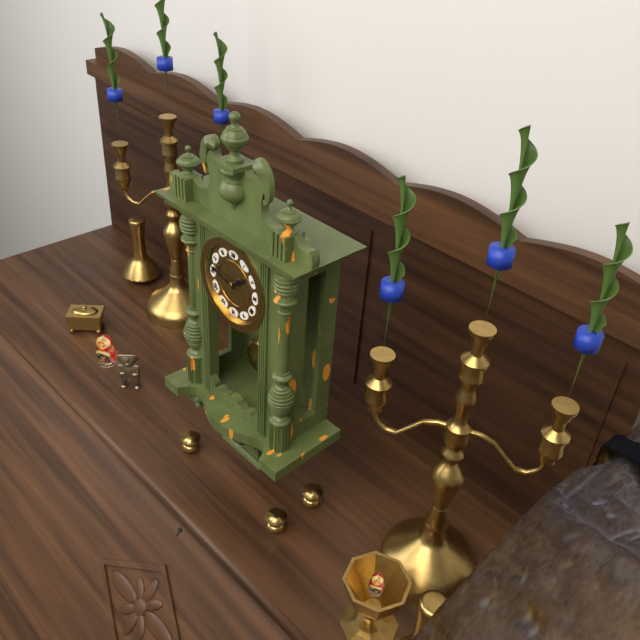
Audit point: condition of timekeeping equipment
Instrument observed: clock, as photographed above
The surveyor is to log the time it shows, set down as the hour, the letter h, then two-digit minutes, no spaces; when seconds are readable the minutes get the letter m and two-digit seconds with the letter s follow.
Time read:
1h47
